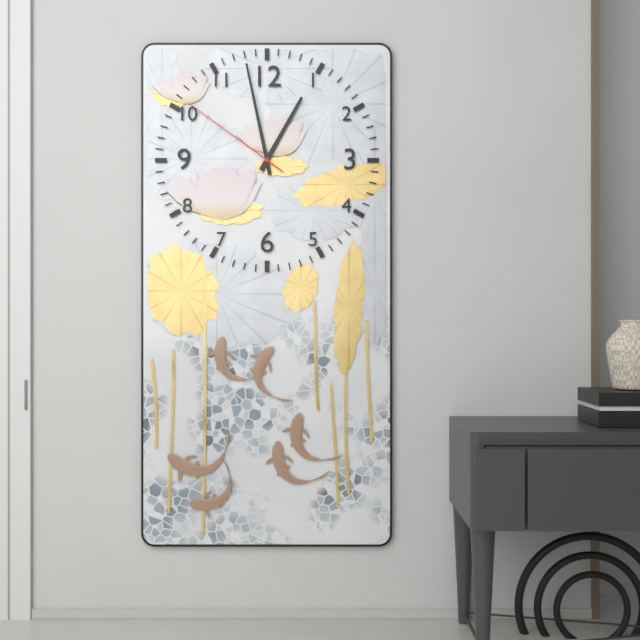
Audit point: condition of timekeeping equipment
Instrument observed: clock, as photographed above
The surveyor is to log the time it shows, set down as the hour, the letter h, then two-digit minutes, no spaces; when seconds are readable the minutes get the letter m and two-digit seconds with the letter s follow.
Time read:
12h58m51s
